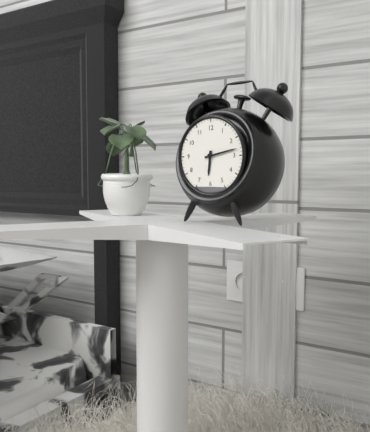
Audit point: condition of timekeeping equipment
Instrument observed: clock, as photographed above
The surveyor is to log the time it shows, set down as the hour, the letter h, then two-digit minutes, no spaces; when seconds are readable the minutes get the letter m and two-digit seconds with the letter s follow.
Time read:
6h13
